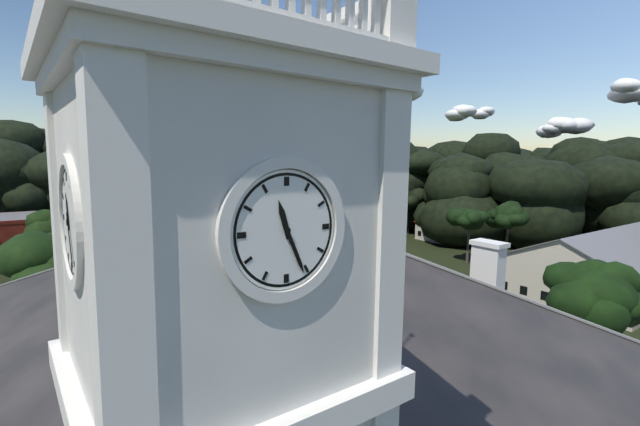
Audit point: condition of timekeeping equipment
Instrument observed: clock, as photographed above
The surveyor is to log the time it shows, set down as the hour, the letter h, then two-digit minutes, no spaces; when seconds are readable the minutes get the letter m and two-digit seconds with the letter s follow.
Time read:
11h26
